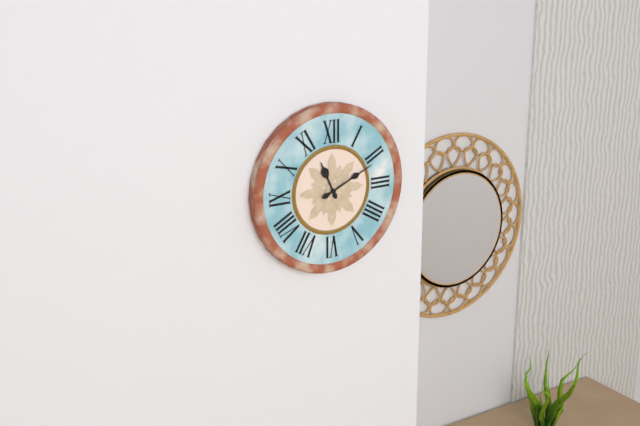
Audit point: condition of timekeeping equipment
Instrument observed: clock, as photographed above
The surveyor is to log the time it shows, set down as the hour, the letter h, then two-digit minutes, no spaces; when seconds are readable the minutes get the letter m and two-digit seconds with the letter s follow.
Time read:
11h11
